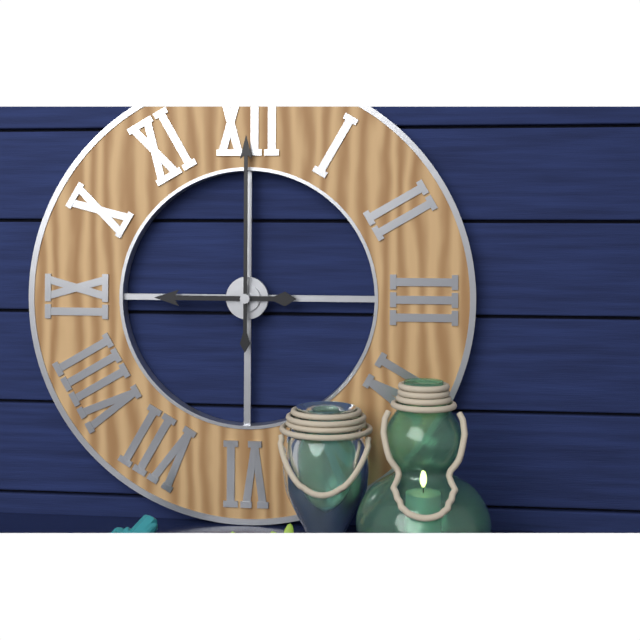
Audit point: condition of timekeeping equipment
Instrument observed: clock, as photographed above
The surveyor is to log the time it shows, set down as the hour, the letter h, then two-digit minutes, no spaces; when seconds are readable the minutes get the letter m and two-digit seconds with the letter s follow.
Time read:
9h00
